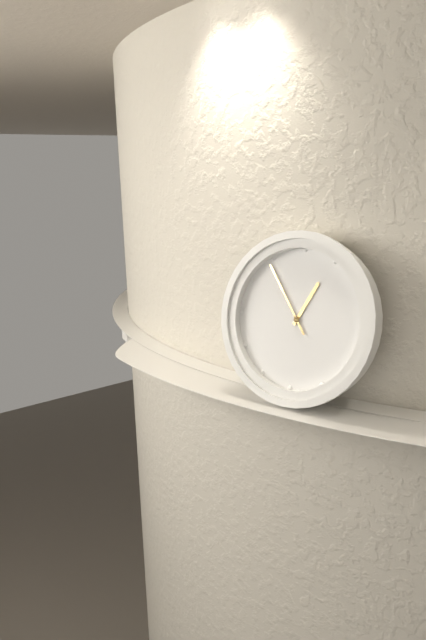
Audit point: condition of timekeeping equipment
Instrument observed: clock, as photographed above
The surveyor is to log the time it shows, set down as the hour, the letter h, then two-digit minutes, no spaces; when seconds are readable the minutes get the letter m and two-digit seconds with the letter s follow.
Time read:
12h54
